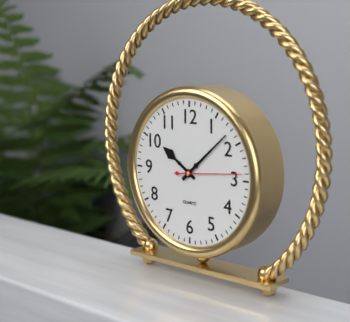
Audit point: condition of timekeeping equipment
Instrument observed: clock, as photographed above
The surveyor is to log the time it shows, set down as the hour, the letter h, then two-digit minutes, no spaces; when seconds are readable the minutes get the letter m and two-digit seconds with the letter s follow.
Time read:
10h08
